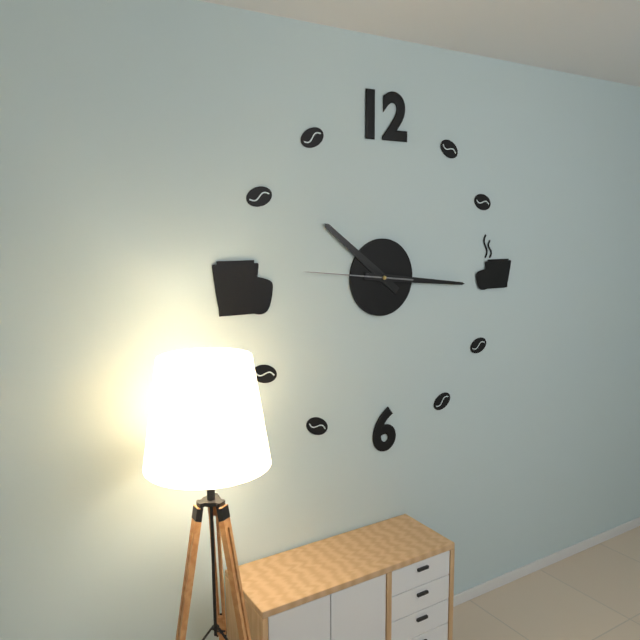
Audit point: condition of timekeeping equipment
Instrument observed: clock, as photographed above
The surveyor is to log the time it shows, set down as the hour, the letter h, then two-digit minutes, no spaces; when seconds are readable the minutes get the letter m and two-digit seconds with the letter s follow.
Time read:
10h16m46s
